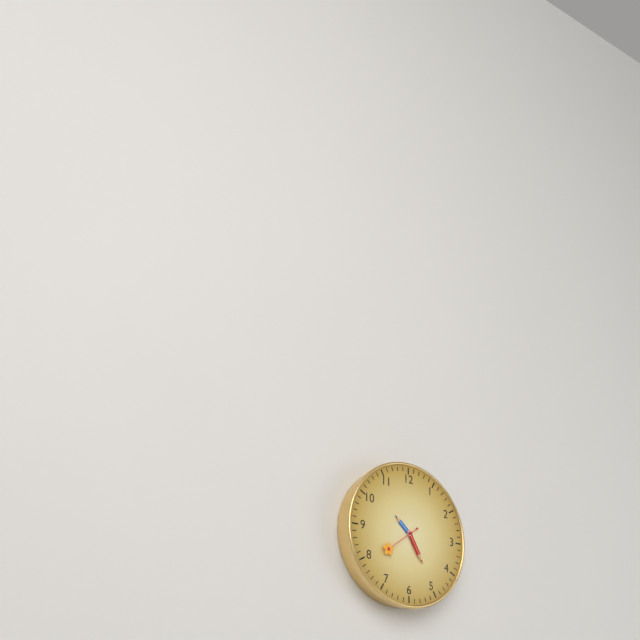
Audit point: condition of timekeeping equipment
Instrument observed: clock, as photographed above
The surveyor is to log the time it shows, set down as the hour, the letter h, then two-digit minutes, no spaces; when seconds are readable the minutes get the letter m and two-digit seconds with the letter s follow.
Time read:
10h25
